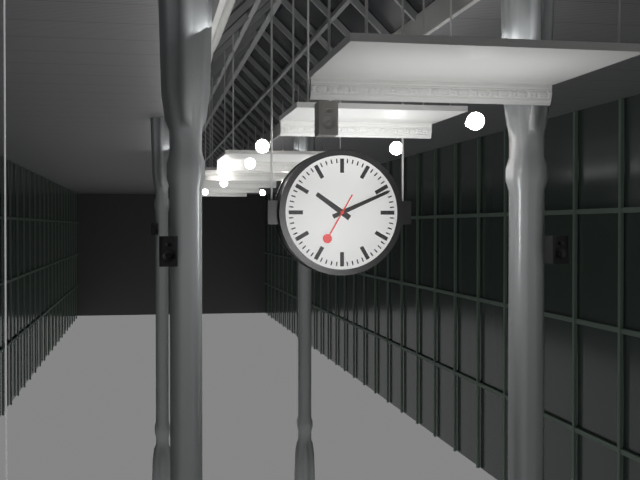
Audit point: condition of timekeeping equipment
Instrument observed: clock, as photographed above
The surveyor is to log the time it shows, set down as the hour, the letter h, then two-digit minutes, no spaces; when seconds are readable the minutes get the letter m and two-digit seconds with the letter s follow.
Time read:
10h11
